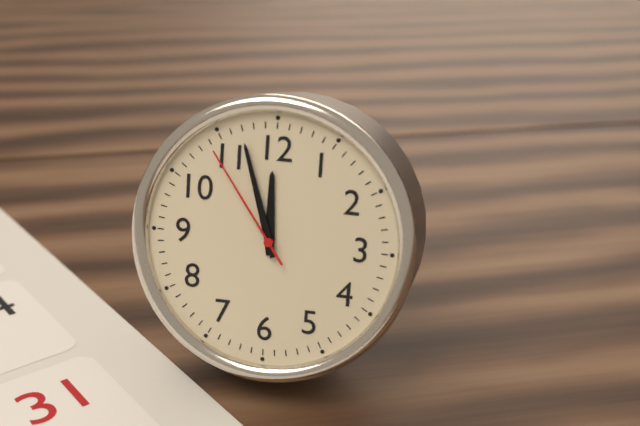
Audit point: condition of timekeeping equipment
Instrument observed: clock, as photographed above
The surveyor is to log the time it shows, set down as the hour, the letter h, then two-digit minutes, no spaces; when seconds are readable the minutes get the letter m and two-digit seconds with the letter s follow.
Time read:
11h57m54s
